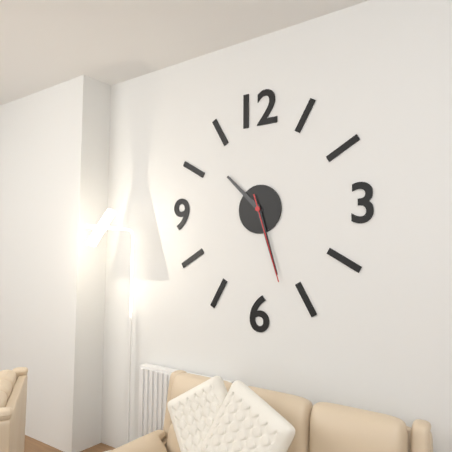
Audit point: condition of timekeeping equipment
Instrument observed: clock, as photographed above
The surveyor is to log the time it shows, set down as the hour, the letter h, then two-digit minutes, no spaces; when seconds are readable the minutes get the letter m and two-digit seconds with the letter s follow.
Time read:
10h27m27s
